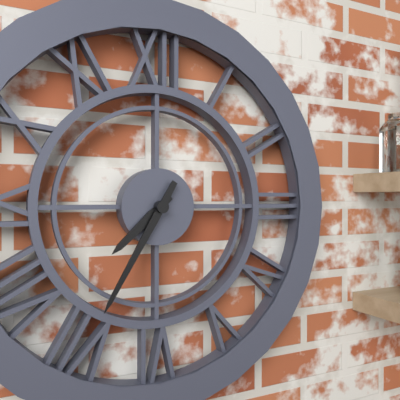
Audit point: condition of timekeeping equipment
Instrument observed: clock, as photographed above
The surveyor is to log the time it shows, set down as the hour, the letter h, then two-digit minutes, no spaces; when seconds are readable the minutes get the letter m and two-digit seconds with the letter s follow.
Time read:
7h35
